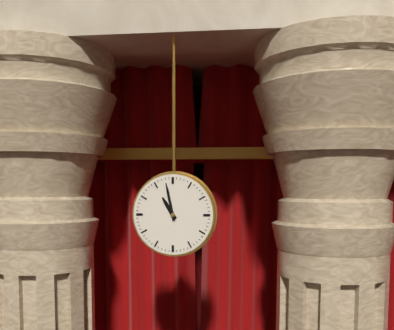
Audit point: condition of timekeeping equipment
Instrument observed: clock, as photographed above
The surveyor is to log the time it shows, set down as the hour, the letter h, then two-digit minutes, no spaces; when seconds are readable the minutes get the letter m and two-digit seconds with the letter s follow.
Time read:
10h58
